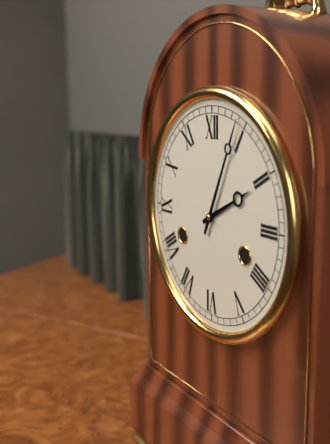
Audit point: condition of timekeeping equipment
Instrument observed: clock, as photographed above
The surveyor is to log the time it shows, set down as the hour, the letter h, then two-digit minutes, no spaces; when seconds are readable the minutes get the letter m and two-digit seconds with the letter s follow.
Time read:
2h04
